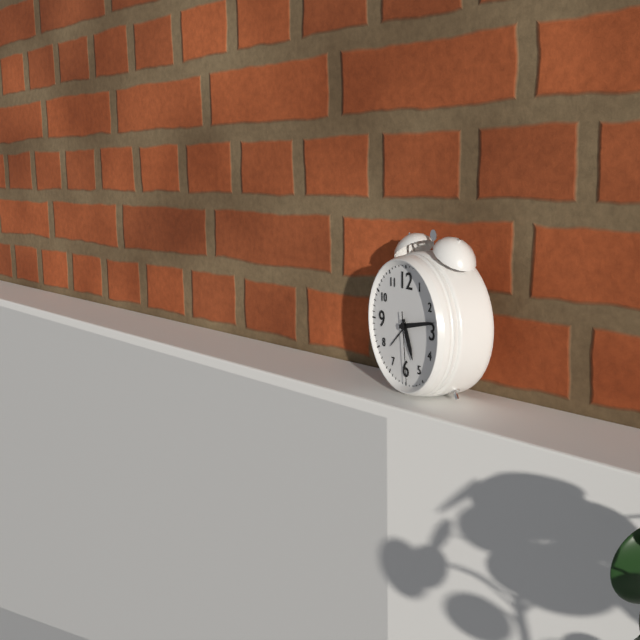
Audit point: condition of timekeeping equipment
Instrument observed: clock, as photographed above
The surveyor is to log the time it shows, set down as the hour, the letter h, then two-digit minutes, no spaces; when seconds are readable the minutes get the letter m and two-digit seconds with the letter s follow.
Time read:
5h13m29s
